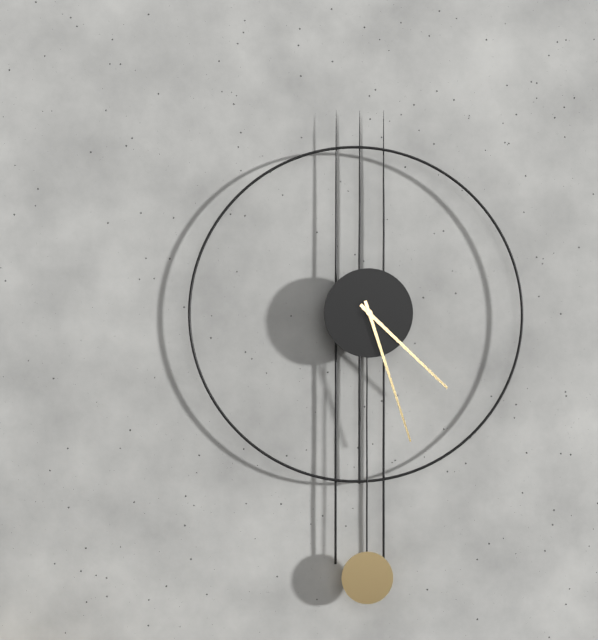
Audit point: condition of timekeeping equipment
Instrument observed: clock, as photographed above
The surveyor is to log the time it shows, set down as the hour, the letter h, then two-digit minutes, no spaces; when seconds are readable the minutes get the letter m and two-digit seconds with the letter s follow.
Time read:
4h27
